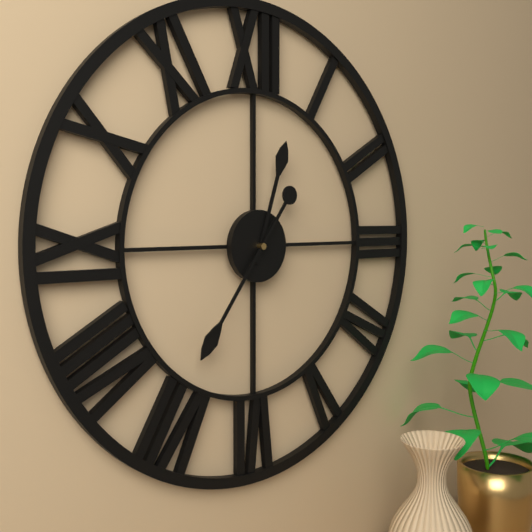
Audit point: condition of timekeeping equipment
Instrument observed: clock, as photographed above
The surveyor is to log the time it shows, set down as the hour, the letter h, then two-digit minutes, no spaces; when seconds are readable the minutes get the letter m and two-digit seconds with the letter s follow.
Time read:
12h36
